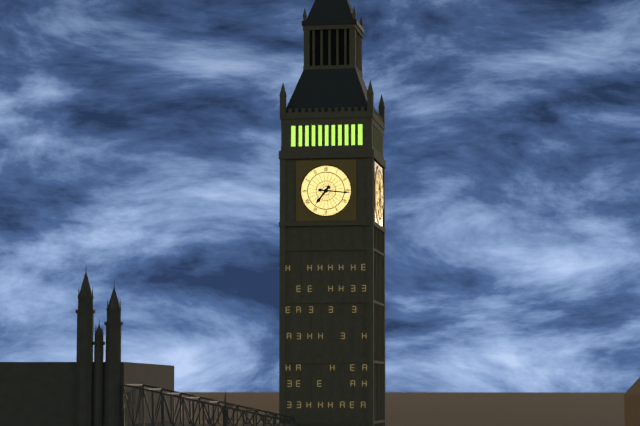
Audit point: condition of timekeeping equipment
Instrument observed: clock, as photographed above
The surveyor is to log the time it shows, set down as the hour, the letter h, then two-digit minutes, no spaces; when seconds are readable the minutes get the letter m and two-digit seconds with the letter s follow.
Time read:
7h16
